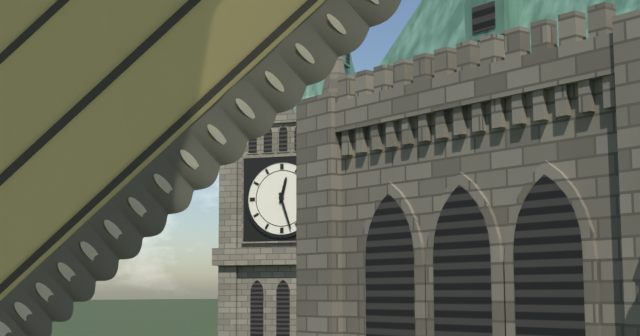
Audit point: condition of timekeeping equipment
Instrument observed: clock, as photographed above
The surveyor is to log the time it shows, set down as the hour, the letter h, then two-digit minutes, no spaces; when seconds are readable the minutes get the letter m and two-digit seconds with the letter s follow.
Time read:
12h27
